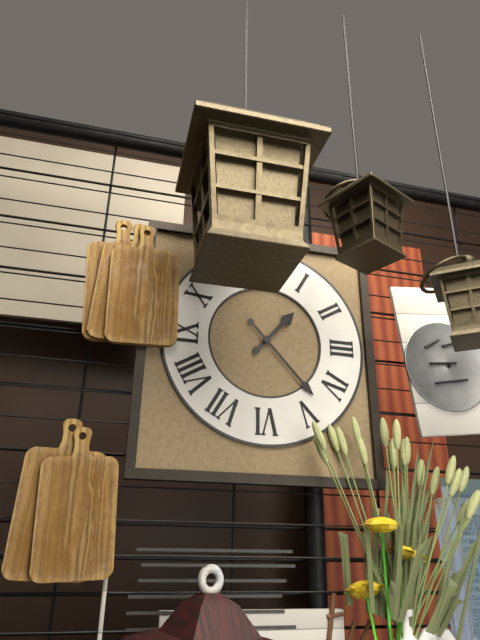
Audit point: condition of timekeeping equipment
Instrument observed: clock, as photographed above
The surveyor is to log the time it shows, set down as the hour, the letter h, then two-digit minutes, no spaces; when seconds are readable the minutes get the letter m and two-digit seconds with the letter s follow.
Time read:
1h23
